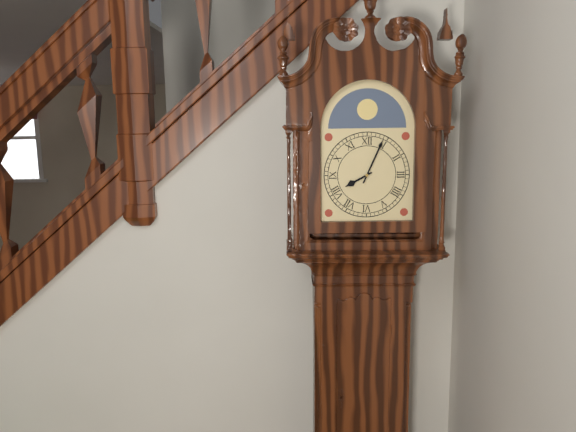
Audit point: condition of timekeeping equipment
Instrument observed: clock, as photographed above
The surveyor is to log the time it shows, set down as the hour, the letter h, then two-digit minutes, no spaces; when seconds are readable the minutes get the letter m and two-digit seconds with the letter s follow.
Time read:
8h04
